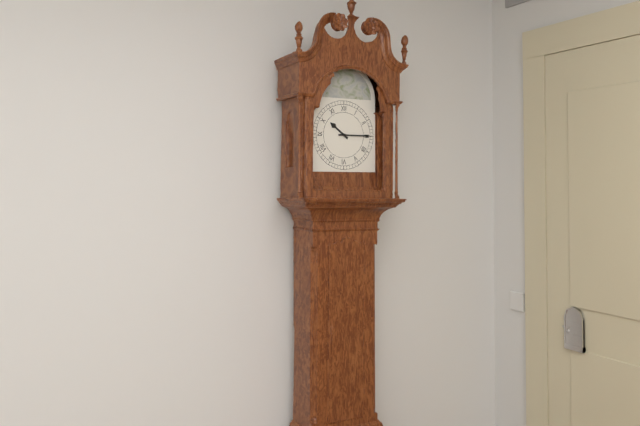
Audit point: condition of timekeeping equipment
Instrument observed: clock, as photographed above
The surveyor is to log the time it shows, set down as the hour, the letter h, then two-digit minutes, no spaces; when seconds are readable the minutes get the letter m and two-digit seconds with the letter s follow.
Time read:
10h15
